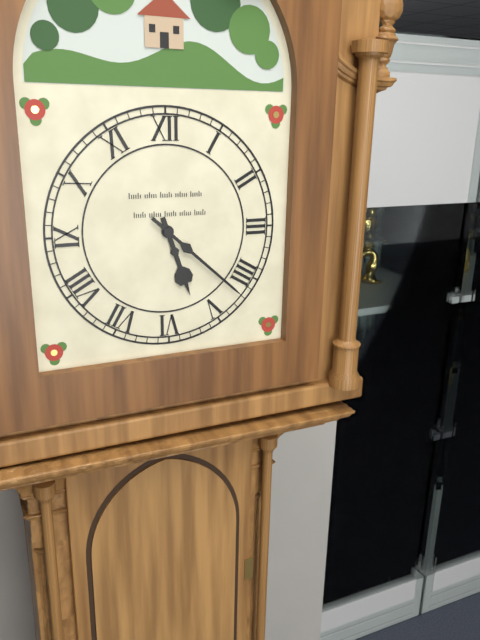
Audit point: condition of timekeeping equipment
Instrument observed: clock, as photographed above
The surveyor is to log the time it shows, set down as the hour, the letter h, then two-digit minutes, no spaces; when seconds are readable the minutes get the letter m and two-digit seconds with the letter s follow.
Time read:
5h22
